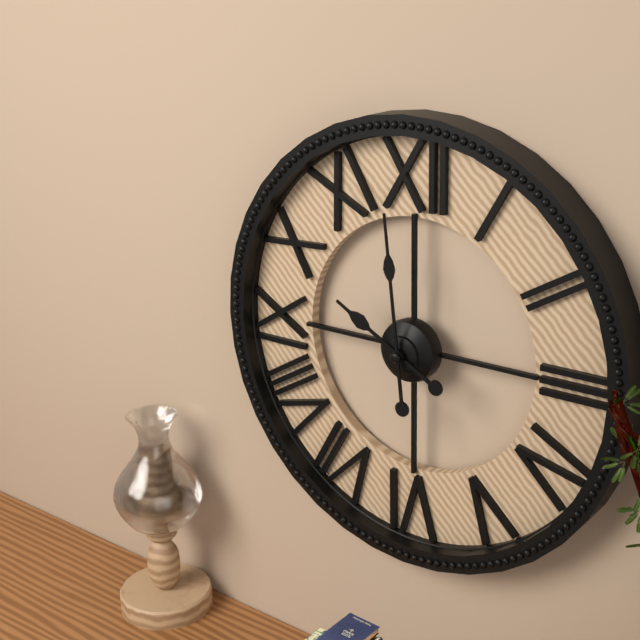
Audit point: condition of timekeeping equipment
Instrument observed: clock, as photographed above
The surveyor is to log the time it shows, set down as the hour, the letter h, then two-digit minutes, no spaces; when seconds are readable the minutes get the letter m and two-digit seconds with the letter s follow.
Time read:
9h59
